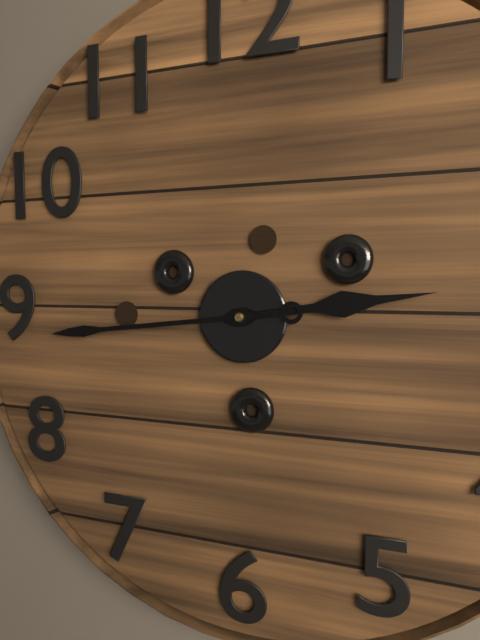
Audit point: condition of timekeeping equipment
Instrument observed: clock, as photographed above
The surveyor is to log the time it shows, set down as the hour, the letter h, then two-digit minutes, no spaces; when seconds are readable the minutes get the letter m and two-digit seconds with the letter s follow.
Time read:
2h44
